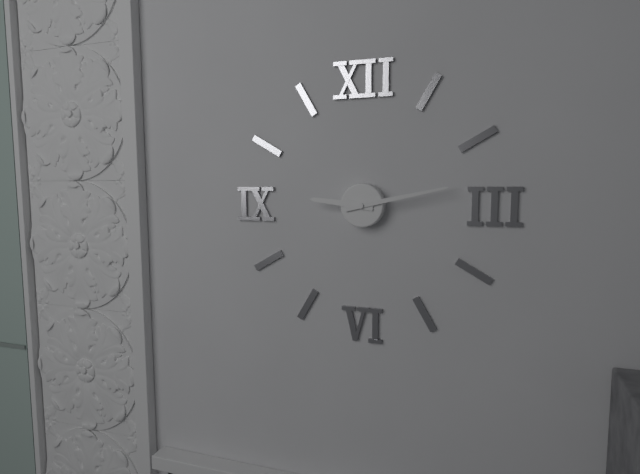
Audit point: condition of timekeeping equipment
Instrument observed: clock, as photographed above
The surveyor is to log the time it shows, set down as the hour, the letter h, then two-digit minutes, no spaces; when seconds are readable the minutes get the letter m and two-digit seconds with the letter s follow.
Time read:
9h13
